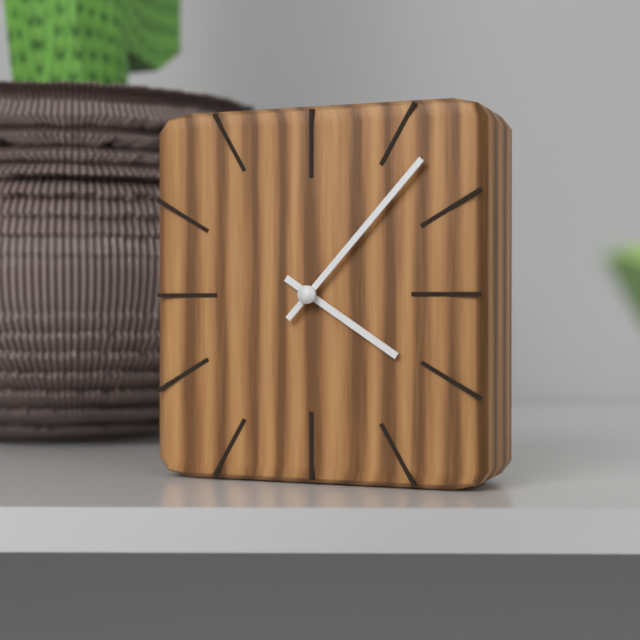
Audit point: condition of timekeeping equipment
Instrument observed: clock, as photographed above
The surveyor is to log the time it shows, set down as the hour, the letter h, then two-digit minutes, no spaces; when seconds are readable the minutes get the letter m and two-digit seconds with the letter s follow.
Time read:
4h07
